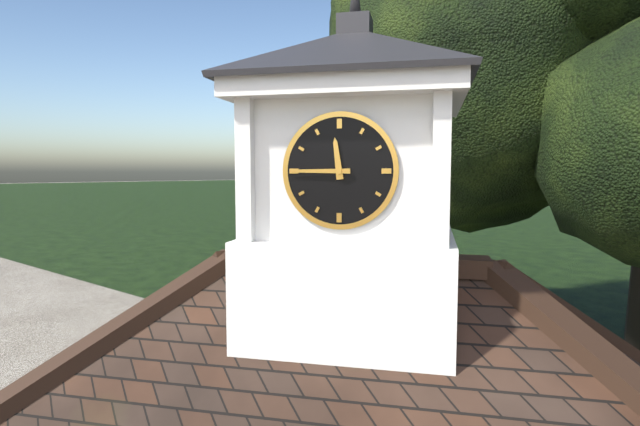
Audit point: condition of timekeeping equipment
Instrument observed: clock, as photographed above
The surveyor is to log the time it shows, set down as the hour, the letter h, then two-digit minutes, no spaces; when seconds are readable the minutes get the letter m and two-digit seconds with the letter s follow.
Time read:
11h45
